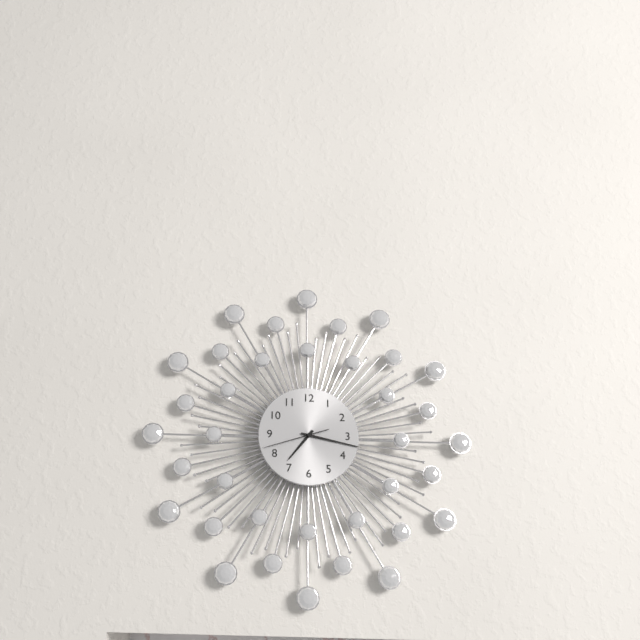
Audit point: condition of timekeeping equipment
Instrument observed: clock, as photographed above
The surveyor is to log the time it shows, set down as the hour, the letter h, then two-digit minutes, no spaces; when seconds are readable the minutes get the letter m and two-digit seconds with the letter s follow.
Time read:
7h17m42s
